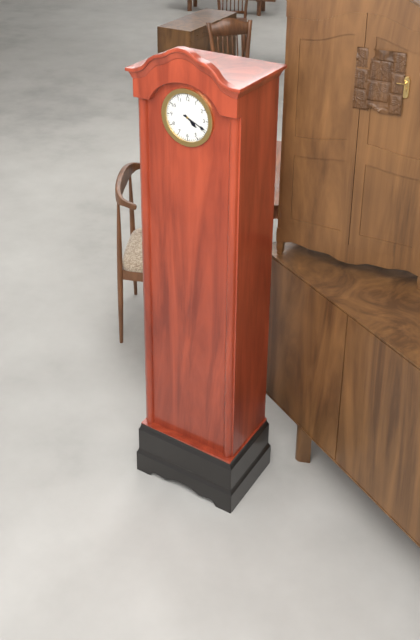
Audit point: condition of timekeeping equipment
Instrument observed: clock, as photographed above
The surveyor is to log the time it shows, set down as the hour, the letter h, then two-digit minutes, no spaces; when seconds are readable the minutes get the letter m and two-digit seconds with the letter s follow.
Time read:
4h19
